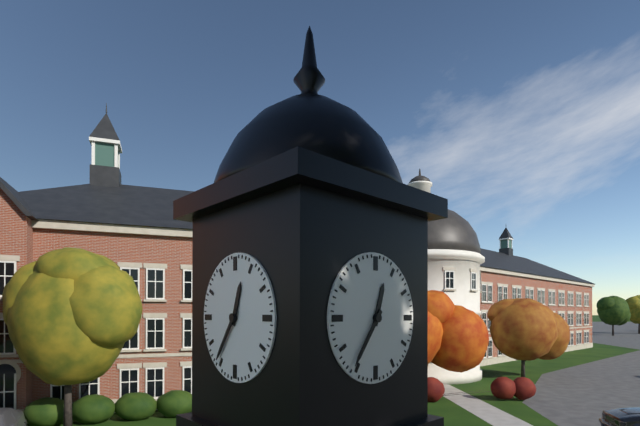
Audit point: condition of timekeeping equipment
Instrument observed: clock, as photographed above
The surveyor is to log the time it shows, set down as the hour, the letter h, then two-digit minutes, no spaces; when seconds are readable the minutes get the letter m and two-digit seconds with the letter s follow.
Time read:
12h36
